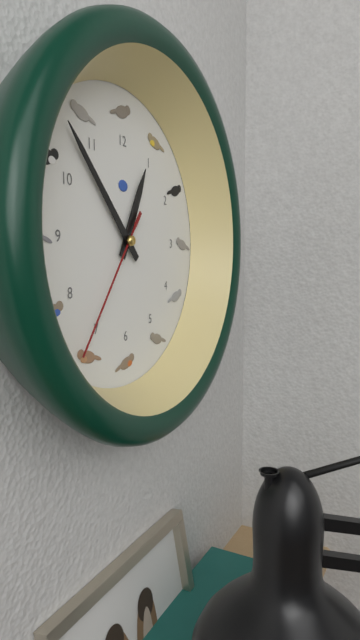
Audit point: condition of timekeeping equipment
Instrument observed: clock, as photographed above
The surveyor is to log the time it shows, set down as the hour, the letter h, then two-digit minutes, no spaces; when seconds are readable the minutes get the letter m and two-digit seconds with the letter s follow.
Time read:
12h53m36s
